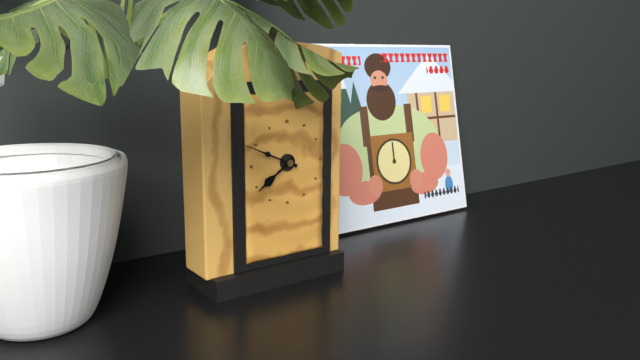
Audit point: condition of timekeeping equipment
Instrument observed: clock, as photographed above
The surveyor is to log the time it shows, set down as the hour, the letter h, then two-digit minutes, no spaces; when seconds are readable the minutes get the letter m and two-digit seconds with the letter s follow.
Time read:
7h49
